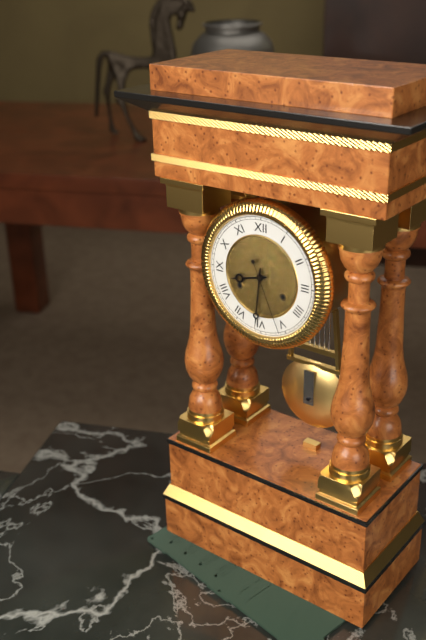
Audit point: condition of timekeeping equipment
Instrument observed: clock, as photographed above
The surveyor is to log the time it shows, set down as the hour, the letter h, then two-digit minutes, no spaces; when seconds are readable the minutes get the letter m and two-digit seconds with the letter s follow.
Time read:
8h31m26s
